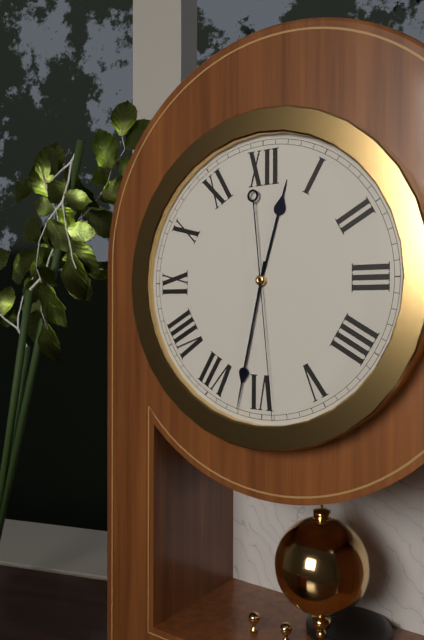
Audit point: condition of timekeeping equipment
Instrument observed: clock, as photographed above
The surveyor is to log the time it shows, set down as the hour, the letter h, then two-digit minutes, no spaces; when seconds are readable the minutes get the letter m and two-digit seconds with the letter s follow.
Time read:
12h32m29s
